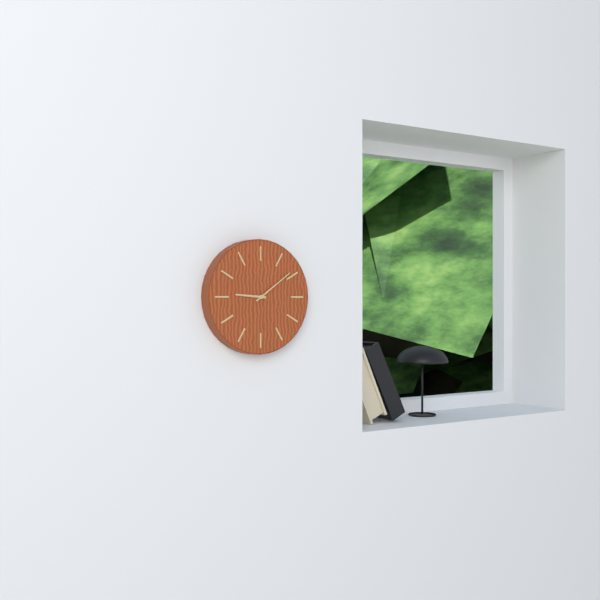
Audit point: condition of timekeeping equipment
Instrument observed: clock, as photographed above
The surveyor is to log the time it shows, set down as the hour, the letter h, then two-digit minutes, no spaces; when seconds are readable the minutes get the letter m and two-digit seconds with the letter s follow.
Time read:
9h09
